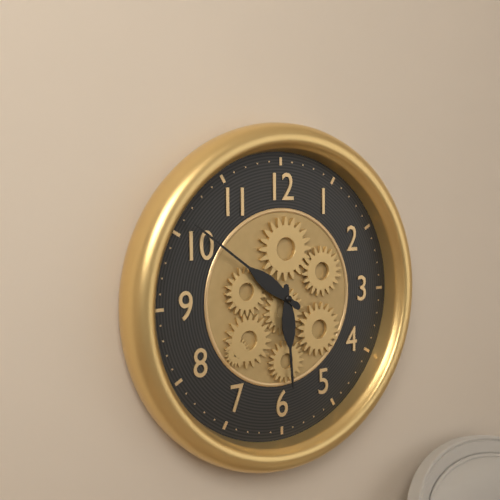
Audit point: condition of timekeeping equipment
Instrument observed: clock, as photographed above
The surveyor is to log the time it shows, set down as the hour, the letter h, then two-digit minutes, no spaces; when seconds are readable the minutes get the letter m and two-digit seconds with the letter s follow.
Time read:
5h51
